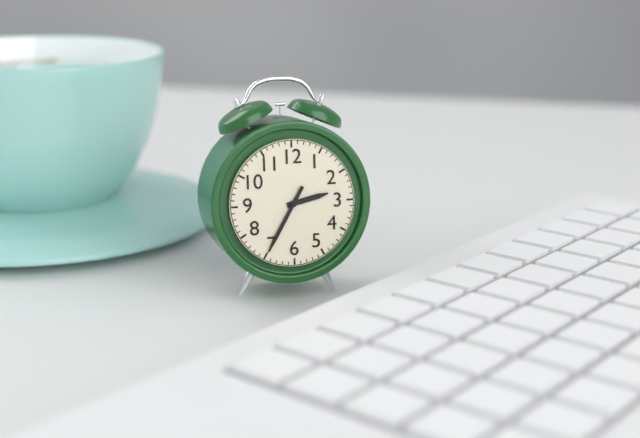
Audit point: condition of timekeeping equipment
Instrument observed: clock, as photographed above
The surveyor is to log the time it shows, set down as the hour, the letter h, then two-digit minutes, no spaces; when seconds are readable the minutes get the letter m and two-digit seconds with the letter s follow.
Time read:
2h35
